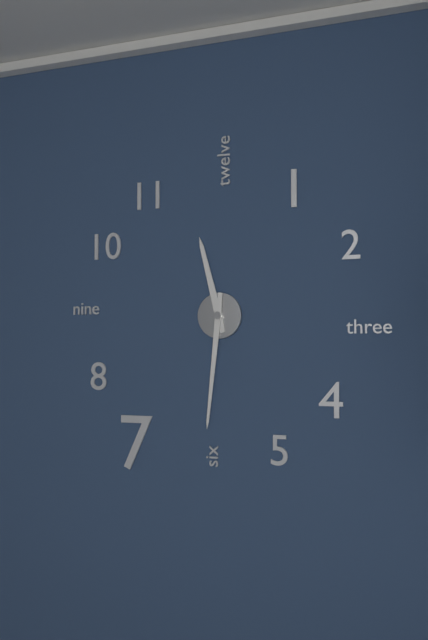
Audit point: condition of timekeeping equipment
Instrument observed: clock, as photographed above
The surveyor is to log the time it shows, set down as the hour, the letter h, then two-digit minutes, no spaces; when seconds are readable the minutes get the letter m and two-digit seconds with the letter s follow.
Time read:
11h31
